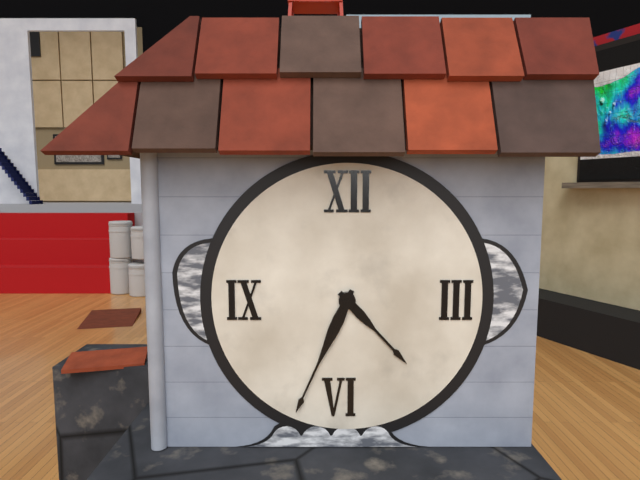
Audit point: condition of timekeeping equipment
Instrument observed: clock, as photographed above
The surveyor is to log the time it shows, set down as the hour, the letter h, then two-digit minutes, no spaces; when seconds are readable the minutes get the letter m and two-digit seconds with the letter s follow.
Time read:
4h34
